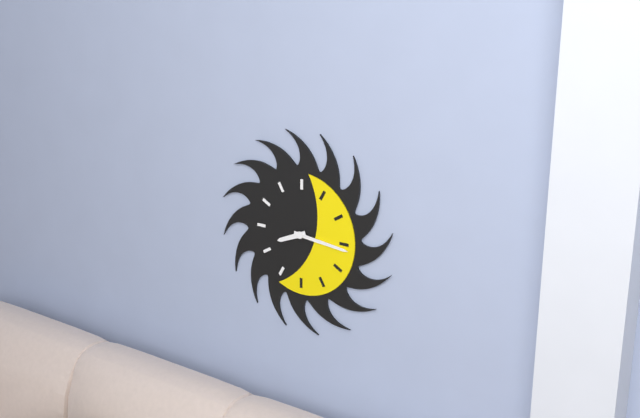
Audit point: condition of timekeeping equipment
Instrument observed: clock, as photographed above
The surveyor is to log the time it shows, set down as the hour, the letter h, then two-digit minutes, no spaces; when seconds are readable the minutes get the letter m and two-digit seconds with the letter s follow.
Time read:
8h16
